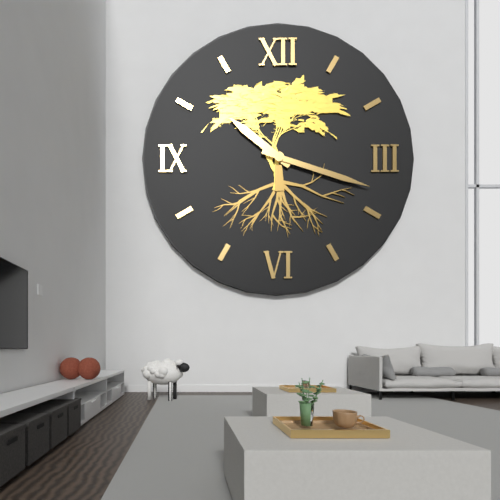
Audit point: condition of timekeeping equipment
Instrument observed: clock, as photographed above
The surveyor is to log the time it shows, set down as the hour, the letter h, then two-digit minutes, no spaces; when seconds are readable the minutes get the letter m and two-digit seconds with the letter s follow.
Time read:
10h18
